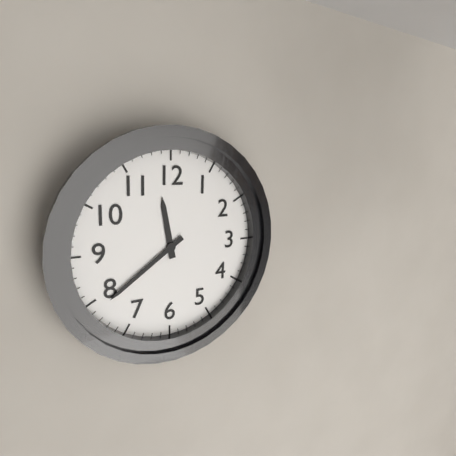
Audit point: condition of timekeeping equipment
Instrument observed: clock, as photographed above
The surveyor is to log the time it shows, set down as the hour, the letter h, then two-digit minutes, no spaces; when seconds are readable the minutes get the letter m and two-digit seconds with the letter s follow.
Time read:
11h39
